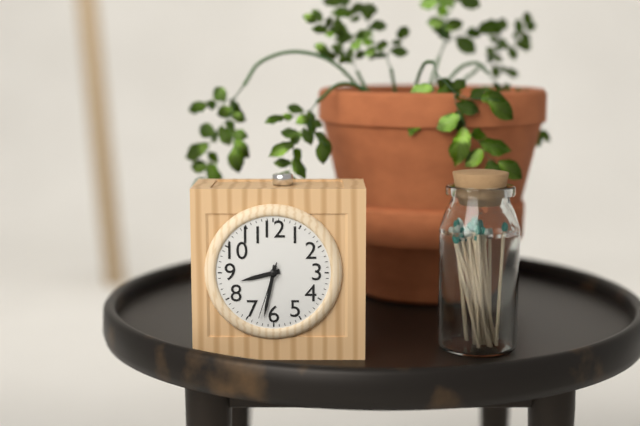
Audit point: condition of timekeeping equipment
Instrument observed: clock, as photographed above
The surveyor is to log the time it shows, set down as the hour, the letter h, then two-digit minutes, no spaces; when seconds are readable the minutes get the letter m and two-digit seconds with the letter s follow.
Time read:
8h32m33s
